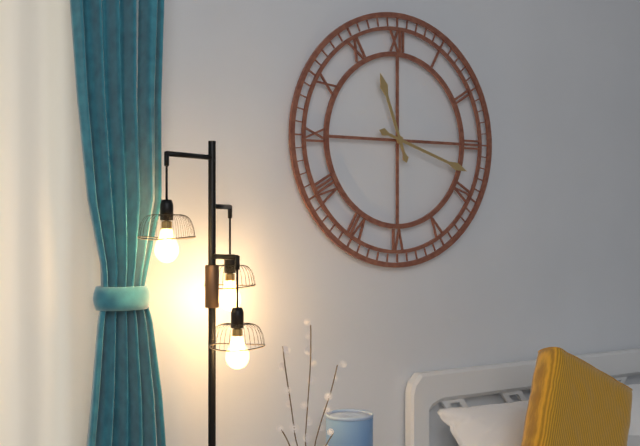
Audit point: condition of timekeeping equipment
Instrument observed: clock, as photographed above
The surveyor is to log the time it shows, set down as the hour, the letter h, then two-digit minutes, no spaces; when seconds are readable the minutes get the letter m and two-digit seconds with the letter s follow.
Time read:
11h18
